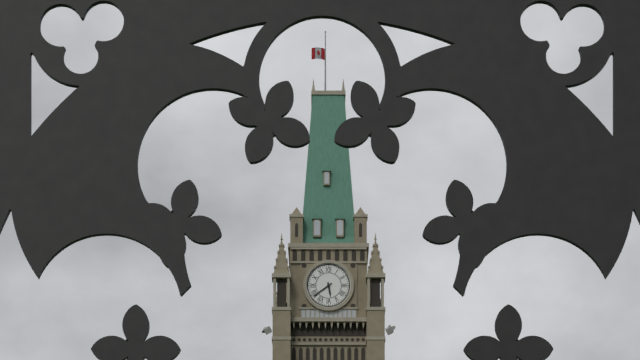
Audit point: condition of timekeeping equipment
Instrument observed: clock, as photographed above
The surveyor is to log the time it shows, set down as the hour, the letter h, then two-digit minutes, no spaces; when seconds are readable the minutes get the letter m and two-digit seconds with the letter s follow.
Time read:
5h39
